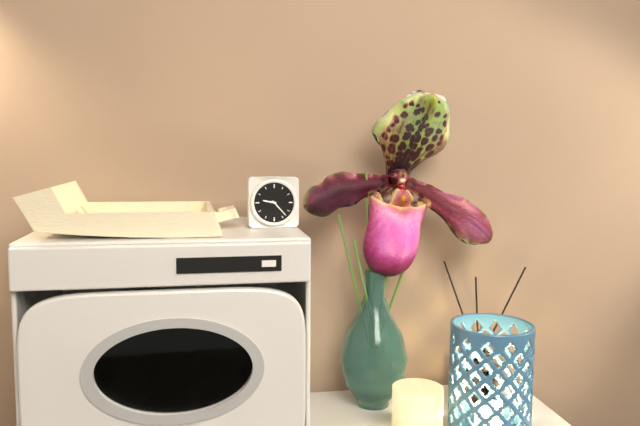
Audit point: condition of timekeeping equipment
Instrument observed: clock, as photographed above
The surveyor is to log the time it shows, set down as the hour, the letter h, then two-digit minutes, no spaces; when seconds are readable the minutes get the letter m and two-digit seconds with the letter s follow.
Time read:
9h23
